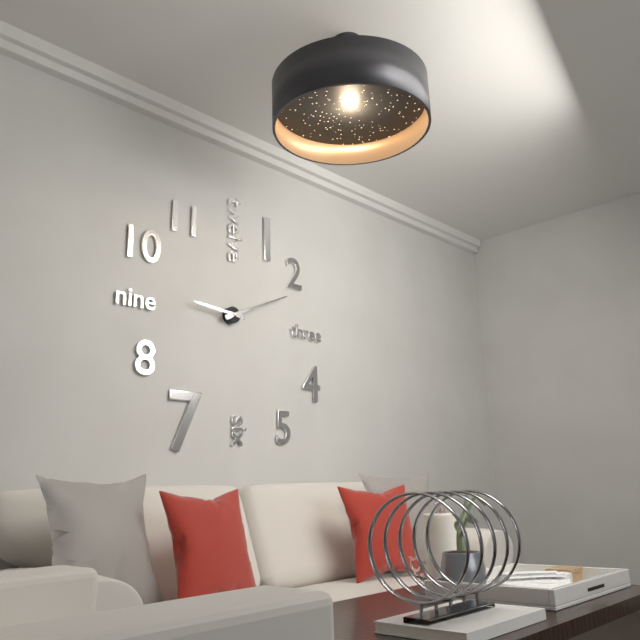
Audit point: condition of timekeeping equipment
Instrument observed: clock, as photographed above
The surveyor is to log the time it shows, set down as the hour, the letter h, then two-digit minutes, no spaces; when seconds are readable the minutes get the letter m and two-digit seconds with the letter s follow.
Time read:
9h11
